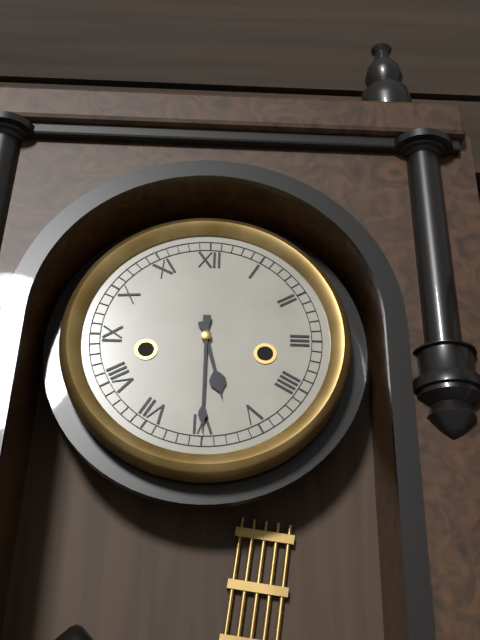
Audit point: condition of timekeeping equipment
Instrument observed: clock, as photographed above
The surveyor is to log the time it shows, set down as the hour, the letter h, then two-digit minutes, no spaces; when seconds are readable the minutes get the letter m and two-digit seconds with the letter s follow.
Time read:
5h30
